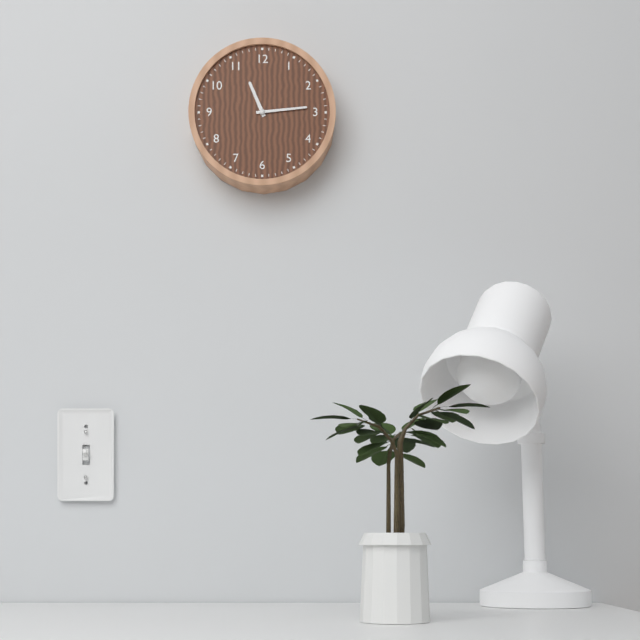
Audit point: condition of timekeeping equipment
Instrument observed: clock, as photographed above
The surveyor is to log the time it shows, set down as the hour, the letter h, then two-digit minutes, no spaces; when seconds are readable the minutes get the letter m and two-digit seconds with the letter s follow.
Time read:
11h14
